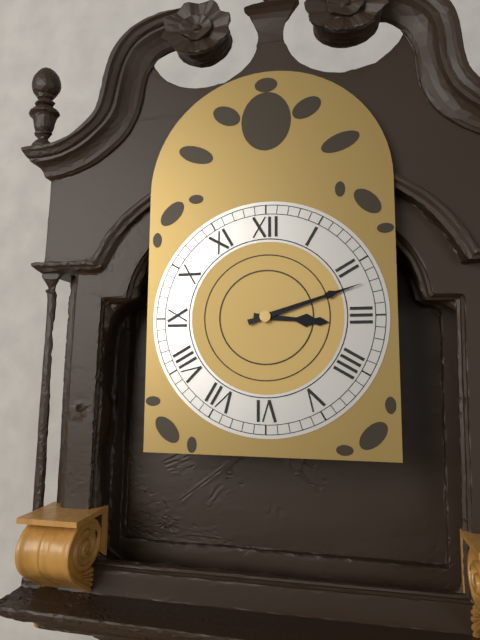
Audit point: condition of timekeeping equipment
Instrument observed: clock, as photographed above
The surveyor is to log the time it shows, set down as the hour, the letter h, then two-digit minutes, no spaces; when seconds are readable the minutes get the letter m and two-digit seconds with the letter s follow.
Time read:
3h12
